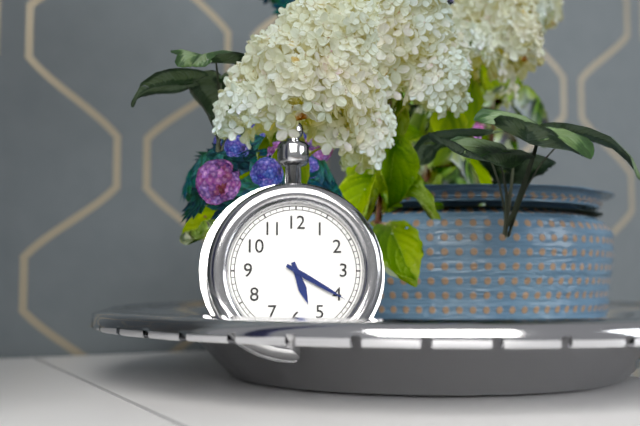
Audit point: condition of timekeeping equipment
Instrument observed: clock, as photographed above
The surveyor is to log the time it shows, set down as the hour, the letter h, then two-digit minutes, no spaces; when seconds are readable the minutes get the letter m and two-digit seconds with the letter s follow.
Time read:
5h20
